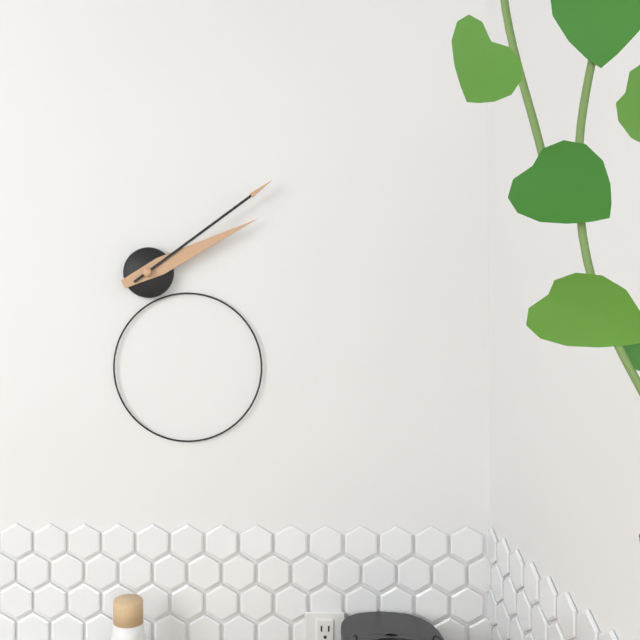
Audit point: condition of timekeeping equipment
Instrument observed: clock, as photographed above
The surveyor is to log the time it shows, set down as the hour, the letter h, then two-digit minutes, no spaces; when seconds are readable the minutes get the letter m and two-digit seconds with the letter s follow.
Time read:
2h09
